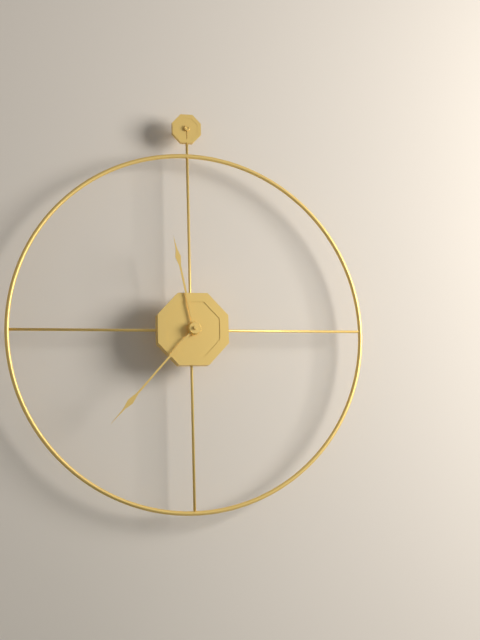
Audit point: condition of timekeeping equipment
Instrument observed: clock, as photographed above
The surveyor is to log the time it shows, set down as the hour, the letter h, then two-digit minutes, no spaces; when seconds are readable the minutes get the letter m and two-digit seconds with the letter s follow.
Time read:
11h37
